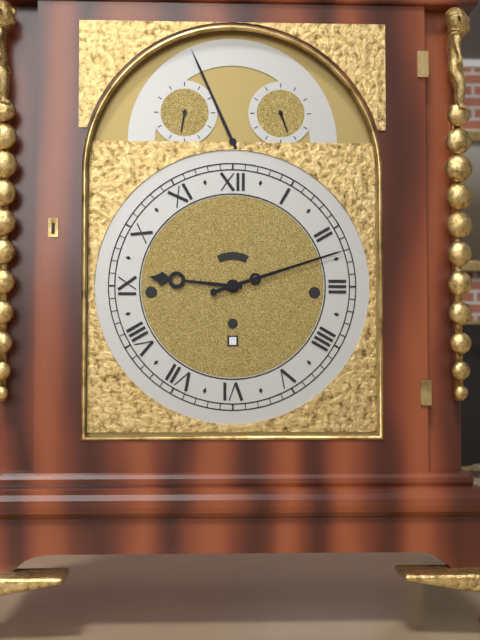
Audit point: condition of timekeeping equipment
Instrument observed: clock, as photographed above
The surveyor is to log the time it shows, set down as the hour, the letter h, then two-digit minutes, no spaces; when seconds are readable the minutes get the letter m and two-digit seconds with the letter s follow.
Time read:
9h12
